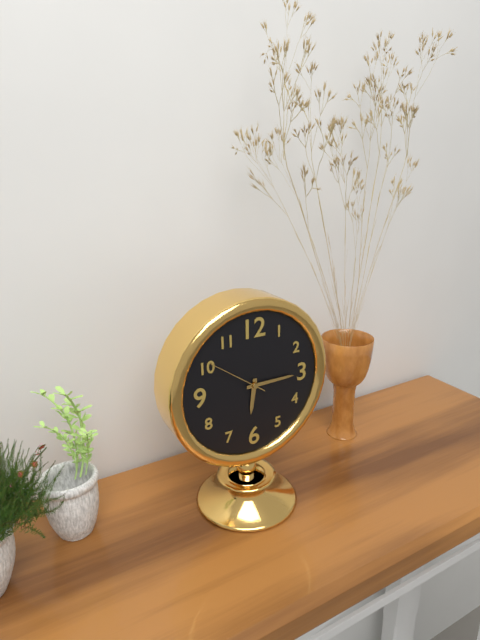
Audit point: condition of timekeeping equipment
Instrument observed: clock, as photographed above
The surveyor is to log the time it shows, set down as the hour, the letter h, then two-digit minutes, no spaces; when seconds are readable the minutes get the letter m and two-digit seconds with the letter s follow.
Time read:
6h15m51s
